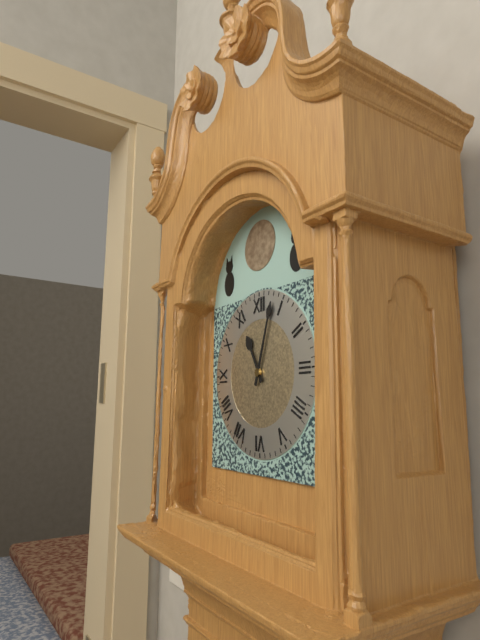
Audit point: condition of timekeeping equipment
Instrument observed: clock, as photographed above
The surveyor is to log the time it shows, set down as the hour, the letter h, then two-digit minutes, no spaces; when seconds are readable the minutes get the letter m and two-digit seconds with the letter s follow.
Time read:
11h03
